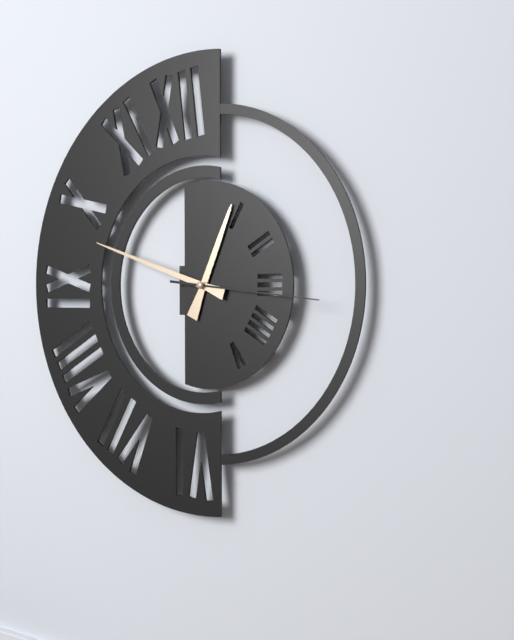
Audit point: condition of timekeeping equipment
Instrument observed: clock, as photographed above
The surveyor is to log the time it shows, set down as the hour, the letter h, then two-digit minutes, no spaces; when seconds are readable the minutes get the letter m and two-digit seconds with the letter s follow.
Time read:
12h48m16s
